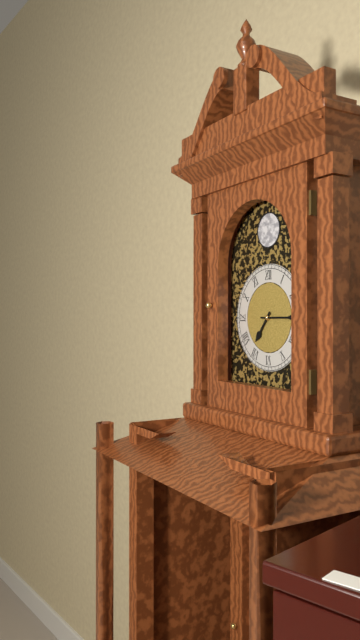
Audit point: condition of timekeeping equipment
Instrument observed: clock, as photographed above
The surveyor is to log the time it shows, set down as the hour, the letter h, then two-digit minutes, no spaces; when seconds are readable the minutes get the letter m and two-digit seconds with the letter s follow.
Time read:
7h15
